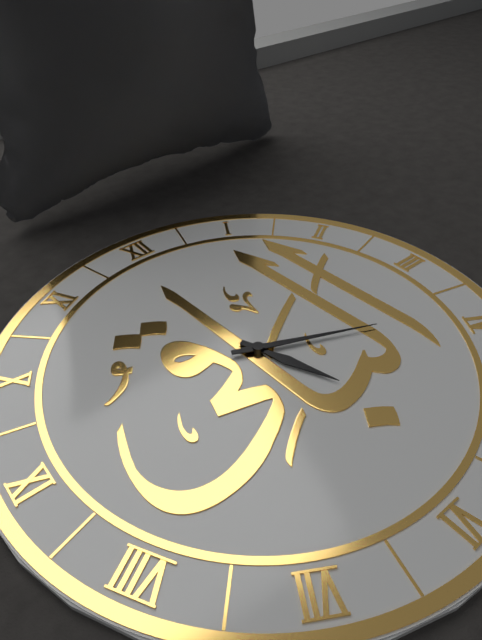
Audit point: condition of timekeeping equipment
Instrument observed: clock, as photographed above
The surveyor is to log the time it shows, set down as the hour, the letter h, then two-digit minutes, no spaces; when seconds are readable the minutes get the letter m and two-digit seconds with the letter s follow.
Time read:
5h19
